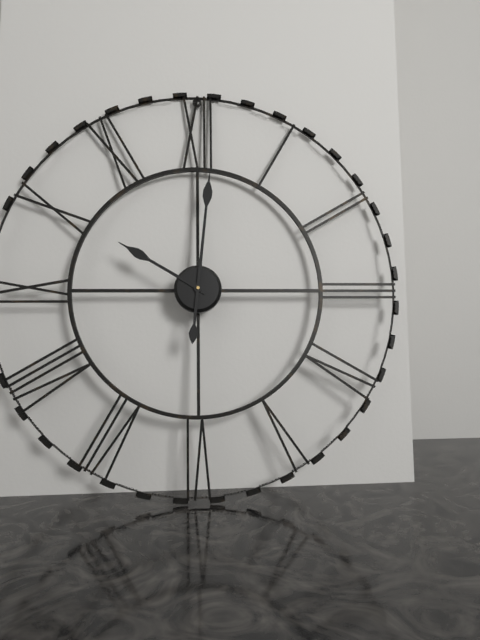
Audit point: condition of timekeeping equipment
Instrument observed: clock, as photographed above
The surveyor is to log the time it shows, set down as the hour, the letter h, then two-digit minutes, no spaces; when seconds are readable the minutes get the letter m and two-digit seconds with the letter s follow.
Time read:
10h01
